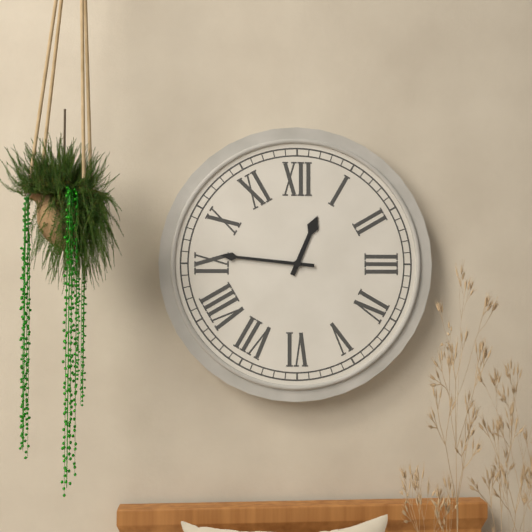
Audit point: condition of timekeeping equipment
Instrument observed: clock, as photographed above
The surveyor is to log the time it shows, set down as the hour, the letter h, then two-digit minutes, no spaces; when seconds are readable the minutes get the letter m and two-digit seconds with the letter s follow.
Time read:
12h46
